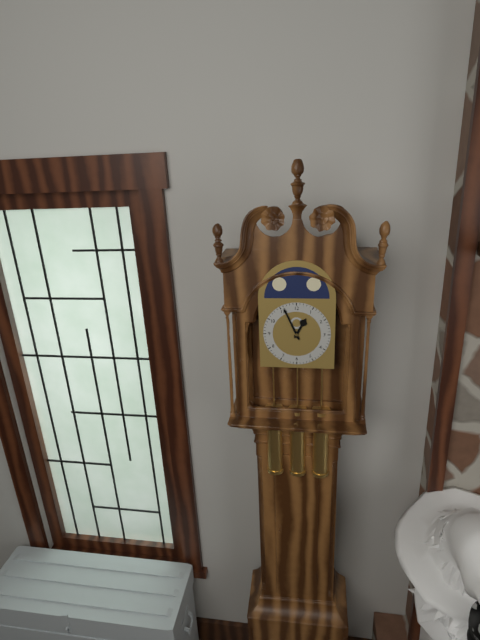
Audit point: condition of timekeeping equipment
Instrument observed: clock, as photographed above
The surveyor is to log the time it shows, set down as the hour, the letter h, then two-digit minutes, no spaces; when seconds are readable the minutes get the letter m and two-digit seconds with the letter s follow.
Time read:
12h56
